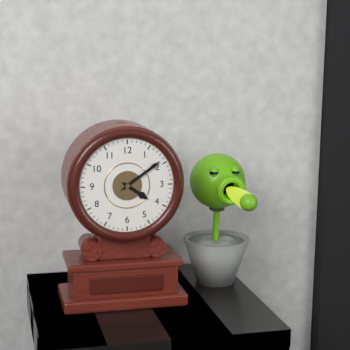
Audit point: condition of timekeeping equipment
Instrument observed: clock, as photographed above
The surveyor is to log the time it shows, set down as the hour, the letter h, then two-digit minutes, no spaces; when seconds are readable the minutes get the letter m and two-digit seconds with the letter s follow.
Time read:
4h09
